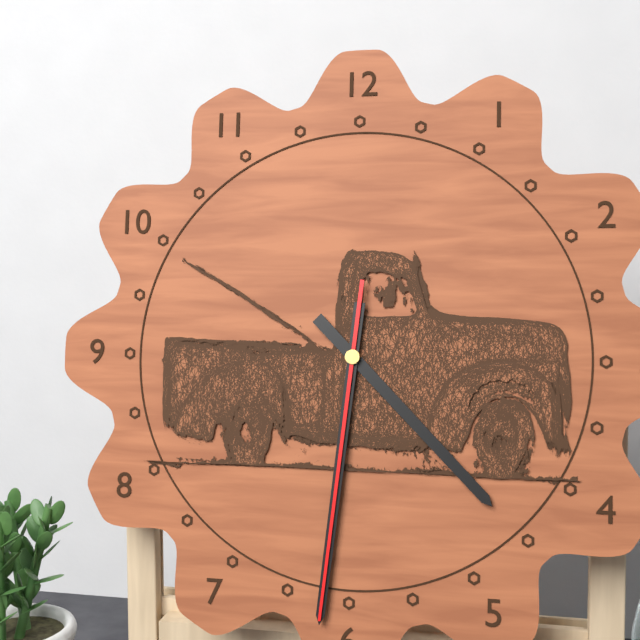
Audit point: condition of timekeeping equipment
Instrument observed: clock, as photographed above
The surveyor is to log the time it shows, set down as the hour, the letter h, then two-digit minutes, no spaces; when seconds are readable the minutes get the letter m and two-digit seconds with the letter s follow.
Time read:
4h31m31s
